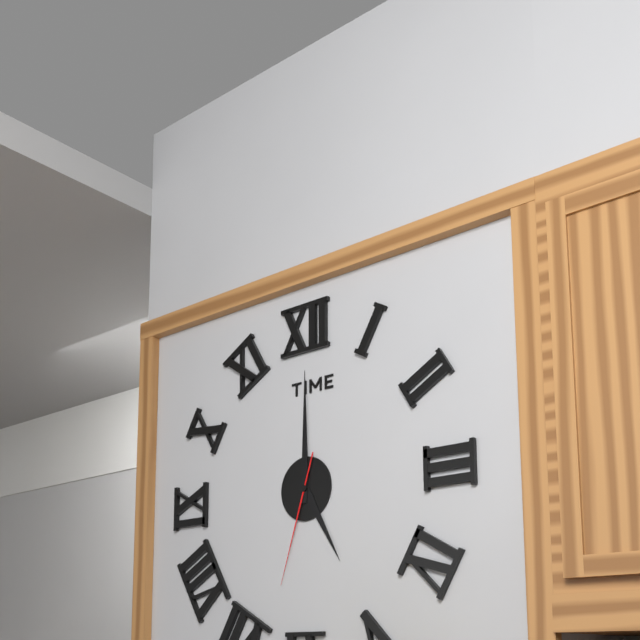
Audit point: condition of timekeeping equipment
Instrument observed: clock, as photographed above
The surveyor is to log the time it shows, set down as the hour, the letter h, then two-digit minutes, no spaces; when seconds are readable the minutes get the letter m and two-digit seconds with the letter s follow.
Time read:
5h00m33s
